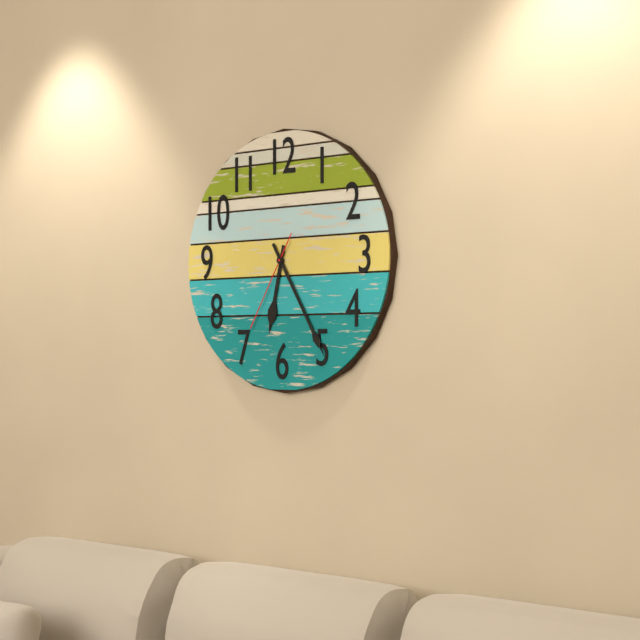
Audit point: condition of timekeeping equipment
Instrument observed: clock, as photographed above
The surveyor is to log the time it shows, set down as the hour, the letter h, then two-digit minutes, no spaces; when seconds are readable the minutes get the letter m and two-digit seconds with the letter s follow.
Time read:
6h25m35s
